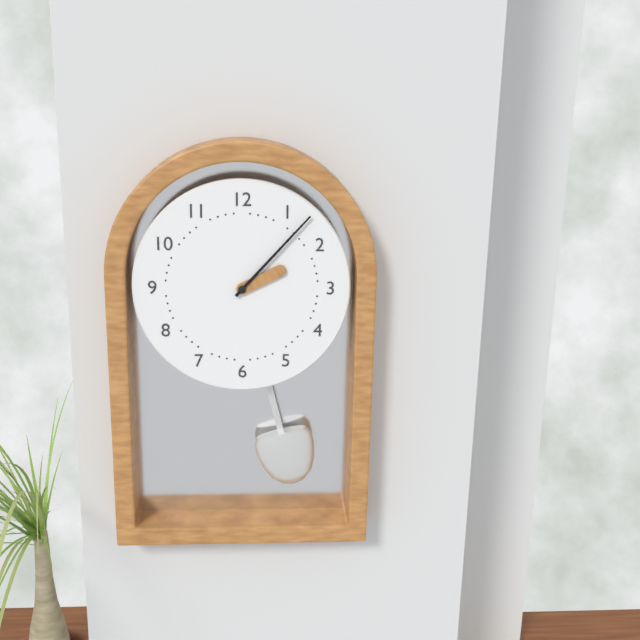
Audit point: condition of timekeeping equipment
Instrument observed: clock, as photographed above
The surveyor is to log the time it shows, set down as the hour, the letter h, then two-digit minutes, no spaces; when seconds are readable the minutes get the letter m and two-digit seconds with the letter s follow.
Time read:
2h07
